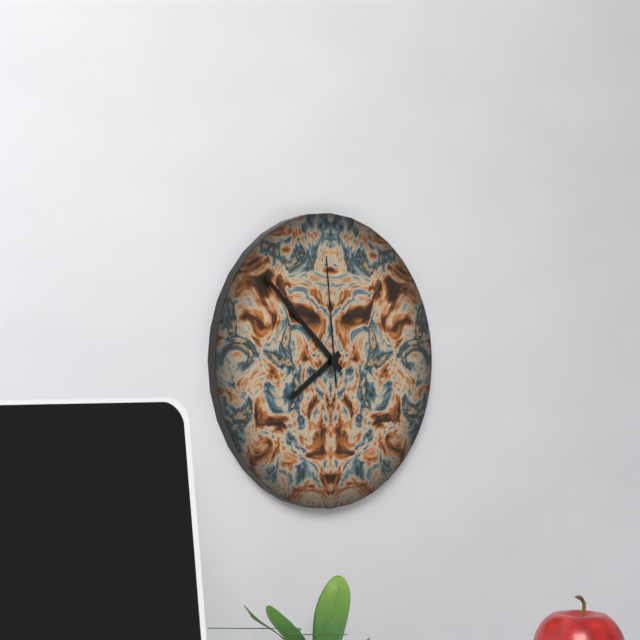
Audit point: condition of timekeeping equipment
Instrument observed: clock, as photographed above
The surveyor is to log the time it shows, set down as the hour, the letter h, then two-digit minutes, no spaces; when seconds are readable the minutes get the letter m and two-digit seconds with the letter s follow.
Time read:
7h52m59s
